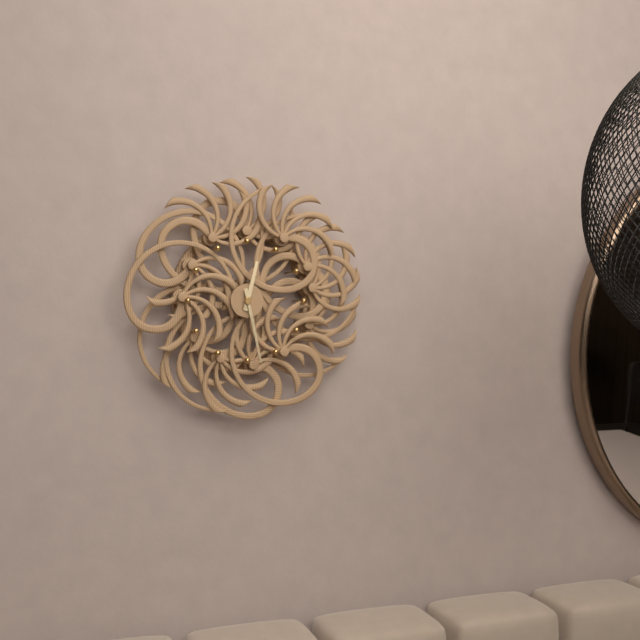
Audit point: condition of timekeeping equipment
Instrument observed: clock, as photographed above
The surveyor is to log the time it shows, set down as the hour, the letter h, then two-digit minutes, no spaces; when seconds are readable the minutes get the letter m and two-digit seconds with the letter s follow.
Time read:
12h28
